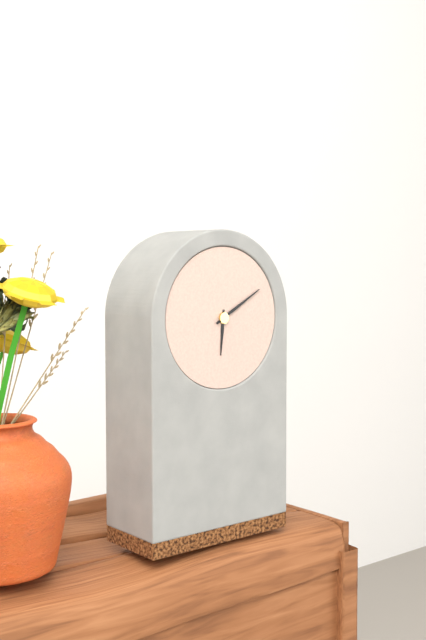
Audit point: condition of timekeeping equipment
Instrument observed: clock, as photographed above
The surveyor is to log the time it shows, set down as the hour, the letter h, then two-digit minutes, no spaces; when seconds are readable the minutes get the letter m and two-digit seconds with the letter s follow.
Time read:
6h10
